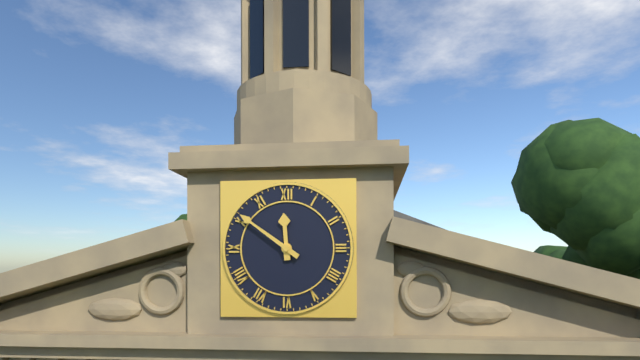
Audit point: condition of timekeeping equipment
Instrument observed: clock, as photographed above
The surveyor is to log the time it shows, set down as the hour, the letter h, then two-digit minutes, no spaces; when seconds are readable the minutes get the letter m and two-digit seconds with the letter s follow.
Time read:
11h51
